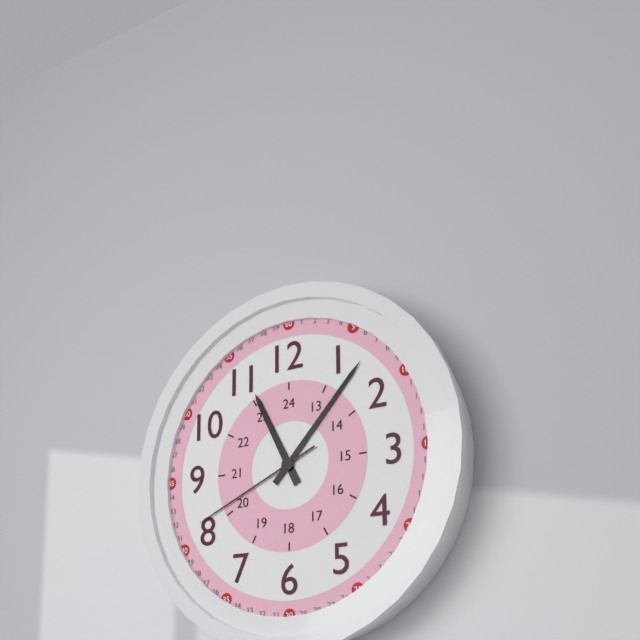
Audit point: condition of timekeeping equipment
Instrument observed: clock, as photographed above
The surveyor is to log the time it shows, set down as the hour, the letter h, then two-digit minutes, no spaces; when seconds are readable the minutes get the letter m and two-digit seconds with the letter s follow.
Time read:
11h07m41s
